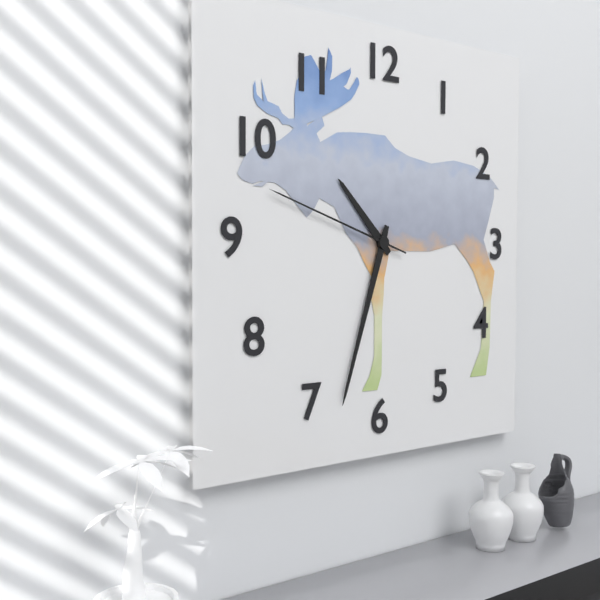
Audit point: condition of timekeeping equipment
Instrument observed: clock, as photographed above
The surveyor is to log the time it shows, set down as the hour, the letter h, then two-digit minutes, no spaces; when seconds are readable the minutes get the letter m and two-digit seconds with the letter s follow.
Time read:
10h33m48s
